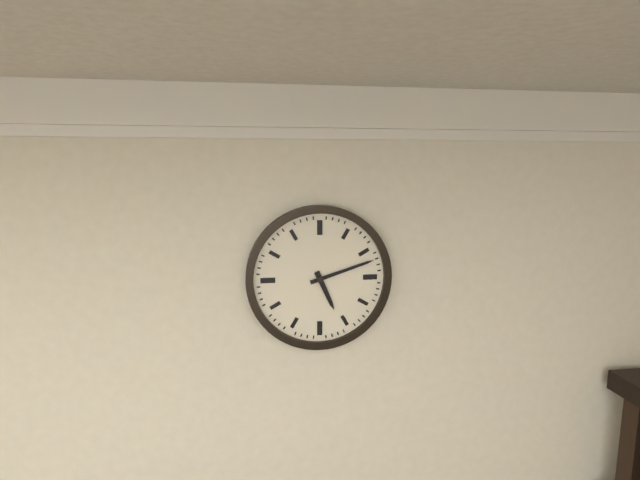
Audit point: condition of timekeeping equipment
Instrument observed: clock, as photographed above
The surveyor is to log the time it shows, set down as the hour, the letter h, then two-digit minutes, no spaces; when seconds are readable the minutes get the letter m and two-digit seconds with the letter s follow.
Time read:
5h12
